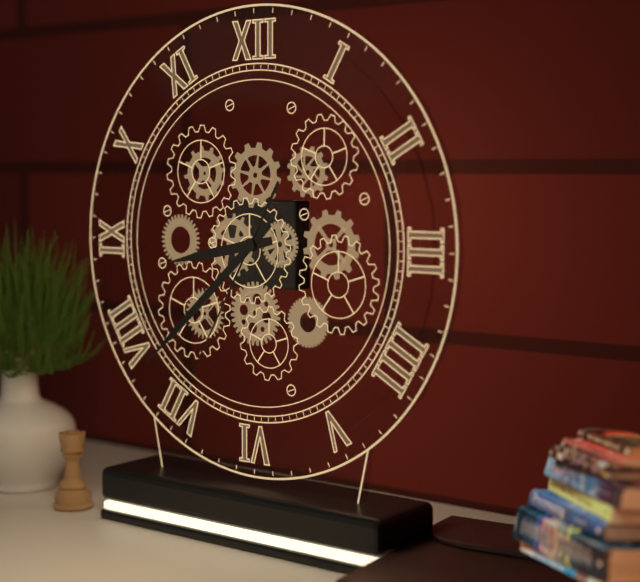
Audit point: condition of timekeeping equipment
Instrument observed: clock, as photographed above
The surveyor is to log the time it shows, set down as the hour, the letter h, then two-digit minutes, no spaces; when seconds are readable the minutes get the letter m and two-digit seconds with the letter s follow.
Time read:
8h38m35s
